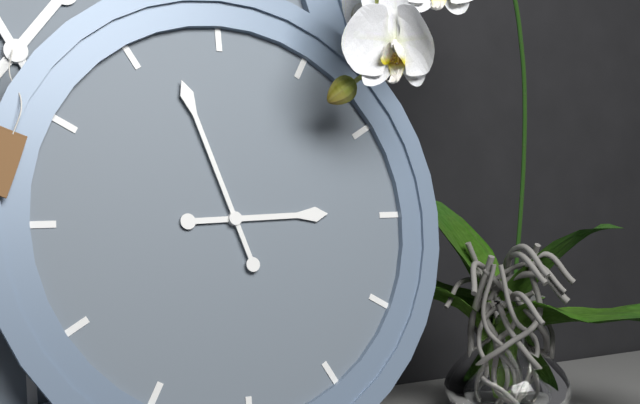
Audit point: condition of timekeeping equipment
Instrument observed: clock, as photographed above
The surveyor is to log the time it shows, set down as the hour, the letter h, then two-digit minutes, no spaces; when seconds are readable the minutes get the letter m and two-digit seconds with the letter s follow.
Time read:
2h57
